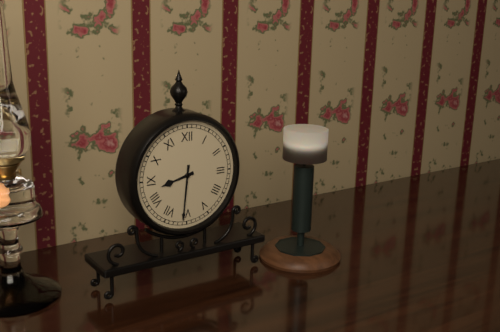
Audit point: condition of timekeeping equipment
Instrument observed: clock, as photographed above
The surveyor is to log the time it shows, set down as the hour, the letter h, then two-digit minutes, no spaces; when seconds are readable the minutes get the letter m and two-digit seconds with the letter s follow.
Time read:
8h31
